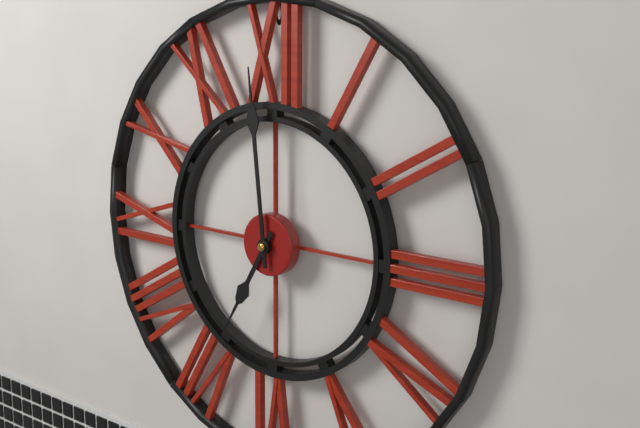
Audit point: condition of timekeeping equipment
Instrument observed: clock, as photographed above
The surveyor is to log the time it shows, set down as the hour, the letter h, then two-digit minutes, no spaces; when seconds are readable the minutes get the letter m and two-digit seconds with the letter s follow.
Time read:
6h59
